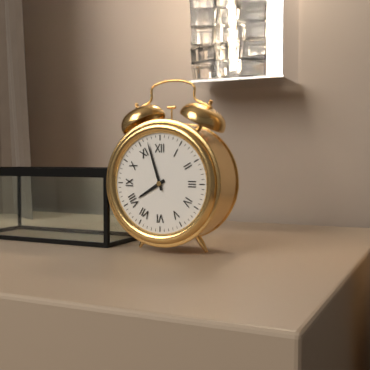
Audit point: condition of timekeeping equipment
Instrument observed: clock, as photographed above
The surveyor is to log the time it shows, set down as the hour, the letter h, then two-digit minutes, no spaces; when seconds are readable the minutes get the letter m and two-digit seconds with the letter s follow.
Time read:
7h57
